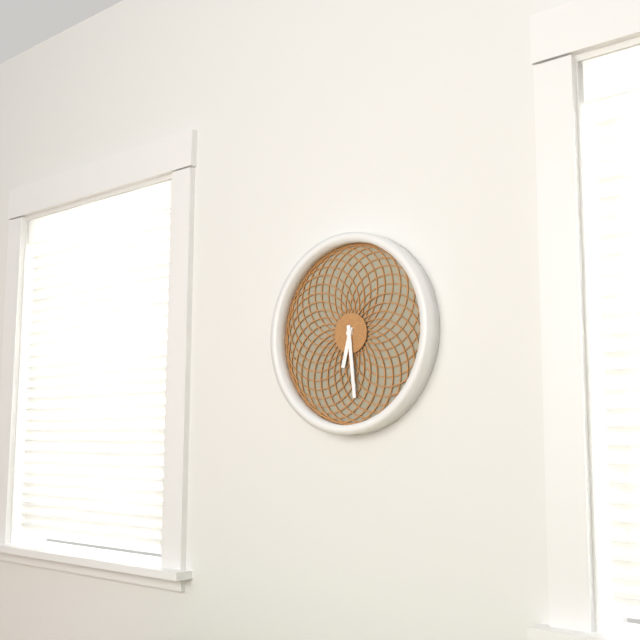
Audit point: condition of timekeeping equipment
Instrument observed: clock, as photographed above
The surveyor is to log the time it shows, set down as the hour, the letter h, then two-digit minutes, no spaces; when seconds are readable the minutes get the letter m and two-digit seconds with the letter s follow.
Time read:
6h29
